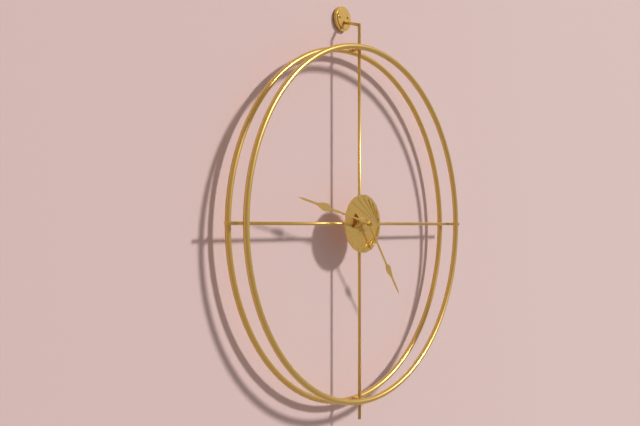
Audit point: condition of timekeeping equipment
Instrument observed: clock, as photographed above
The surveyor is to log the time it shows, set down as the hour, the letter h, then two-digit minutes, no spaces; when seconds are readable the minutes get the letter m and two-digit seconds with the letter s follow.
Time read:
4h47
